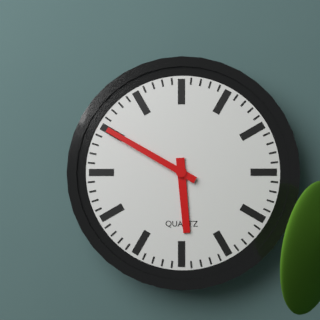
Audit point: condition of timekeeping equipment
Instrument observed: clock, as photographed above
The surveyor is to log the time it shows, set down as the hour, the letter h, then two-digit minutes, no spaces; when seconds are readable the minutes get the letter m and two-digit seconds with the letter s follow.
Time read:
5h50
